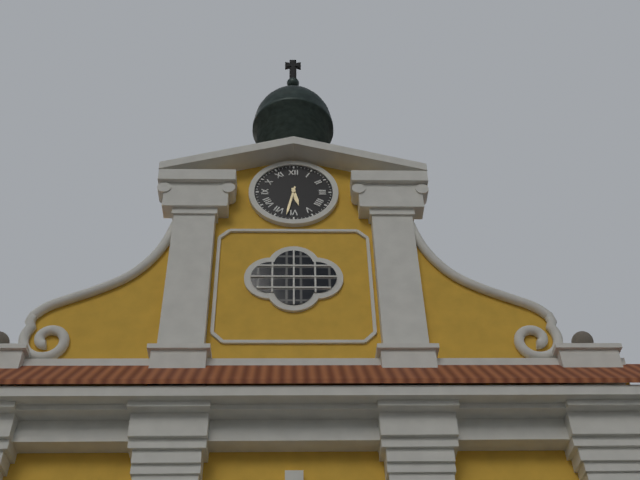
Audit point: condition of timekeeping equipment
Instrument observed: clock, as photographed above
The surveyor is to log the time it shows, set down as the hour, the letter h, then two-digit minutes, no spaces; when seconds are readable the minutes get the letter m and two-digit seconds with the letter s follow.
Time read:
5h32
